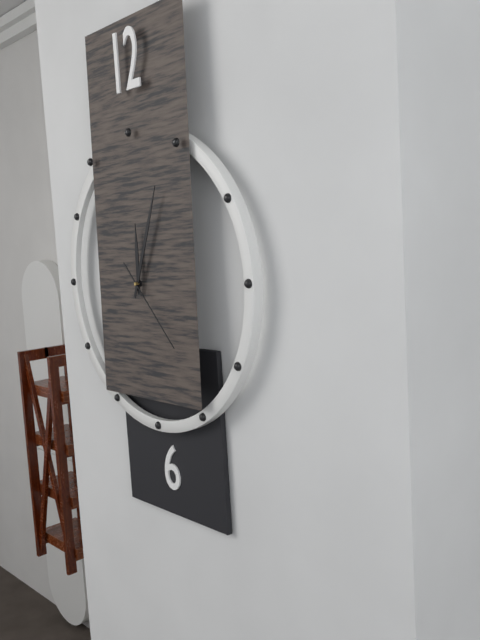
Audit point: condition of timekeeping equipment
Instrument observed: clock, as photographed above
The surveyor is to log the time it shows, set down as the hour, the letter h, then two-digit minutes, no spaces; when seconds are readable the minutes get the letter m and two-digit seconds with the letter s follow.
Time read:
12h04m23s
